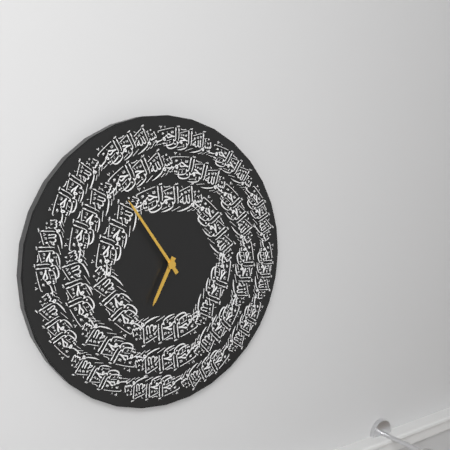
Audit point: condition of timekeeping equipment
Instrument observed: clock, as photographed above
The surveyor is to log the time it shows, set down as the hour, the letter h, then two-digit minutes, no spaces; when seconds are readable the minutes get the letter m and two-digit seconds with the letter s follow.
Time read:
6h54
